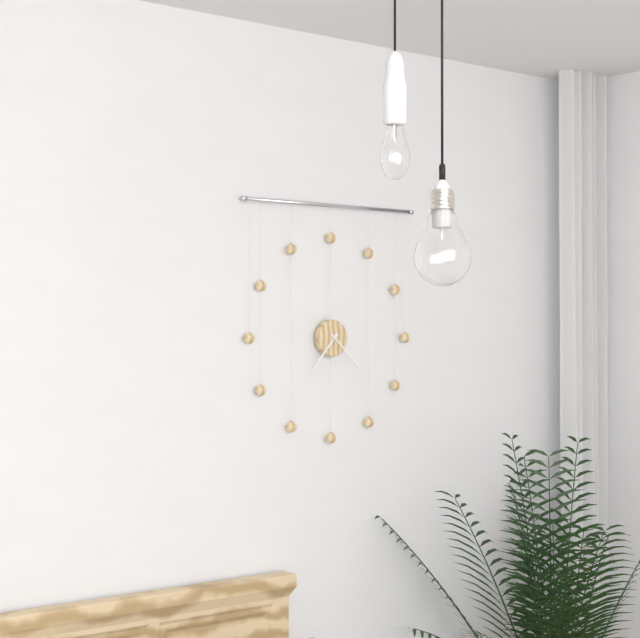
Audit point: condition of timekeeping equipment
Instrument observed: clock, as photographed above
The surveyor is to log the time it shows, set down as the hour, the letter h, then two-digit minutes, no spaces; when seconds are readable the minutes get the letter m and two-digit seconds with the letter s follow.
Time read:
7h22
